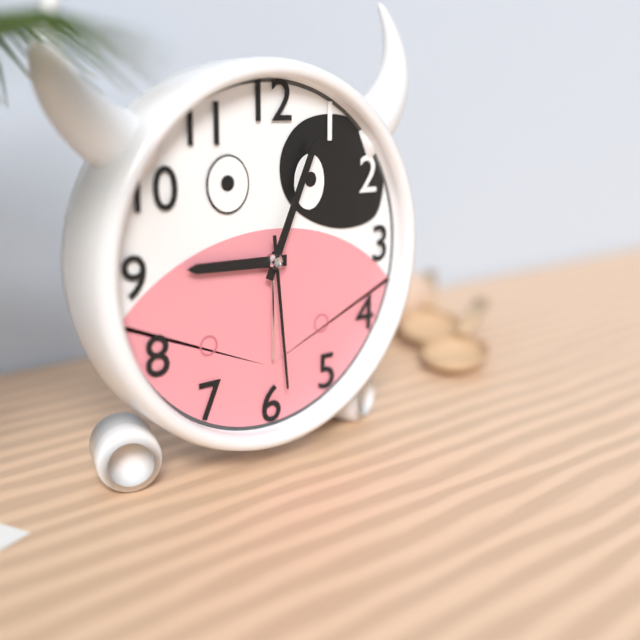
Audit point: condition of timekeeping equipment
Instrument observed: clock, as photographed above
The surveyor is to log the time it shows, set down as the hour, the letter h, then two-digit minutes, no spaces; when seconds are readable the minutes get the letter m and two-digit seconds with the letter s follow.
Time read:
9h04m29s
